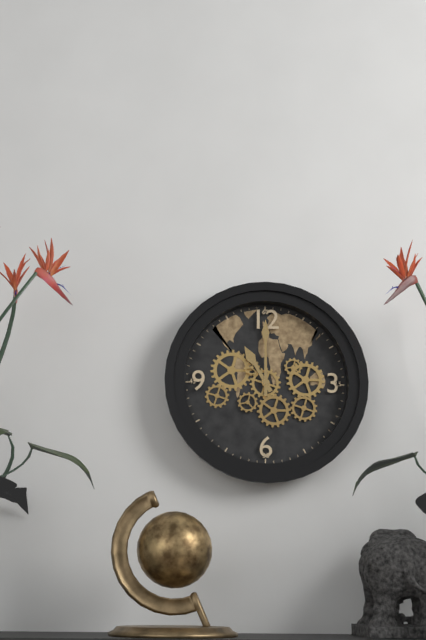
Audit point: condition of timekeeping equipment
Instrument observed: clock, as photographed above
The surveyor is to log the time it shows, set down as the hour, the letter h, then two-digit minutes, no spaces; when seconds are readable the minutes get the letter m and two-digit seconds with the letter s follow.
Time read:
11h00
